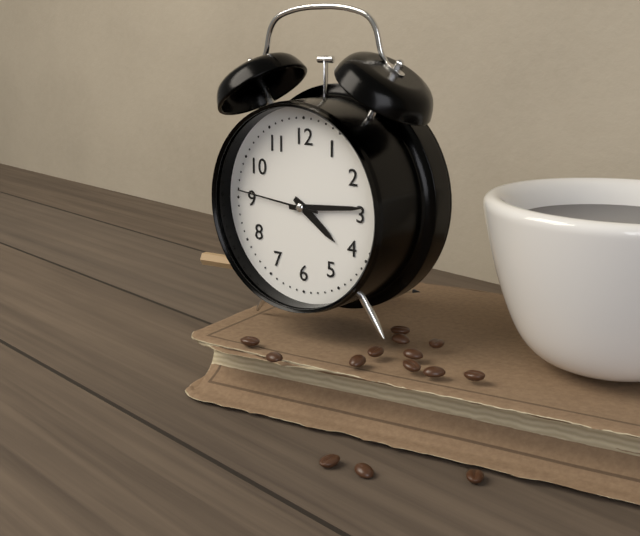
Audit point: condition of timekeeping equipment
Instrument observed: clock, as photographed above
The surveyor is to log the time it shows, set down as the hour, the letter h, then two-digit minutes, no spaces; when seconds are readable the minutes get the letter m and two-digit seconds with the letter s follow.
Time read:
4h14m46s
